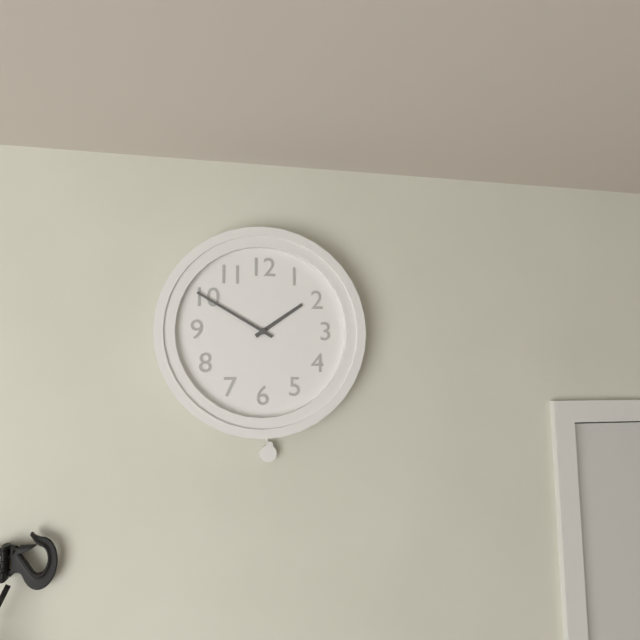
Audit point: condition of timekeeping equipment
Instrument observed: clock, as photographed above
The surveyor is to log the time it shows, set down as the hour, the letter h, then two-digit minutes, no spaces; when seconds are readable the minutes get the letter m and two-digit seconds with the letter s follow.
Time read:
1h50
